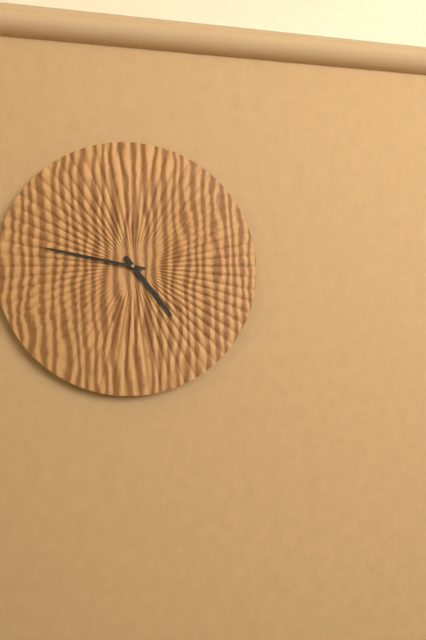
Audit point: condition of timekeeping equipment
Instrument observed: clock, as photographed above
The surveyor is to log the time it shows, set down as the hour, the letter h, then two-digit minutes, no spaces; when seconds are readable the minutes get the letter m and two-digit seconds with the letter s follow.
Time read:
4h47
